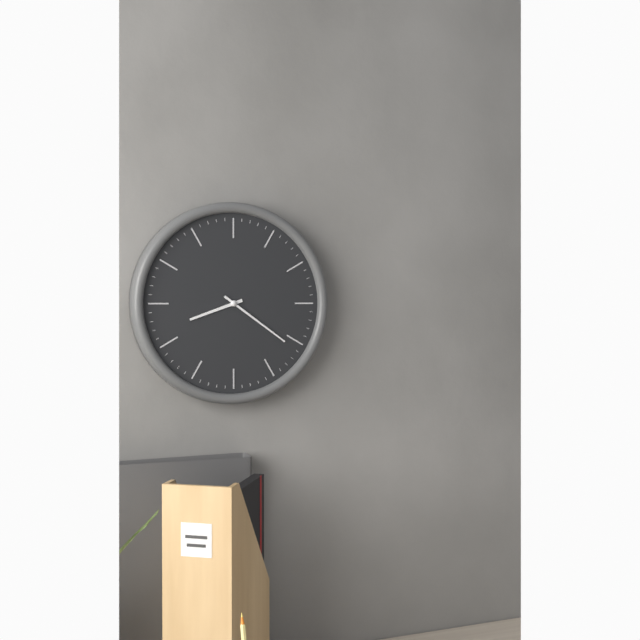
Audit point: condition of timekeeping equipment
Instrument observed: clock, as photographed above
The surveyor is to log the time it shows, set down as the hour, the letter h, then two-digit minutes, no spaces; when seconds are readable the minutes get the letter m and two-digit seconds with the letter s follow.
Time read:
8h21
